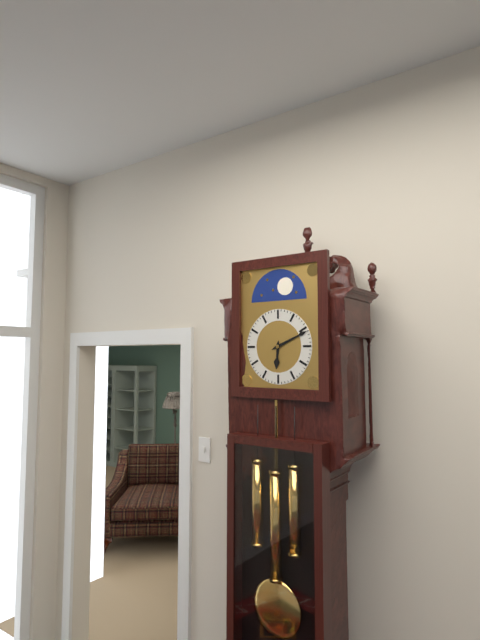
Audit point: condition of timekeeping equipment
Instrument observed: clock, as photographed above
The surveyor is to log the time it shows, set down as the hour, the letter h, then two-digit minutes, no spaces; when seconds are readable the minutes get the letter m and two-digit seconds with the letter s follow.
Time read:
6h11
